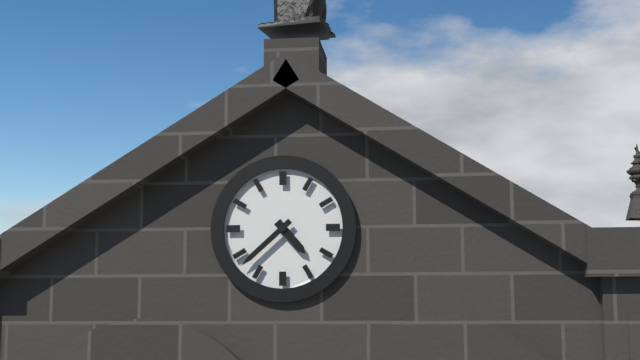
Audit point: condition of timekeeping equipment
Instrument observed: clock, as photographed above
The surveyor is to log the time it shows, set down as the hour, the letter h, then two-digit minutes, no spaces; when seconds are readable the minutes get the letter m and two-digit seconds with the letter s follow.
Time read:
4h38
